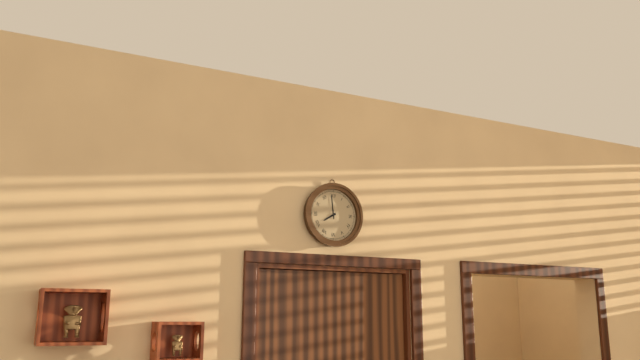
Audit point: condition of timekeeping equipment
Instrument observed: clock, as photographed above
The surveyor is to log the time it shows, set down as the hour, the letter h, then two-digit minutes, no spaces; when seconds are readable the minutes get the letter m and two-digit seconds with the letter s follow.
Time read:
7h59
